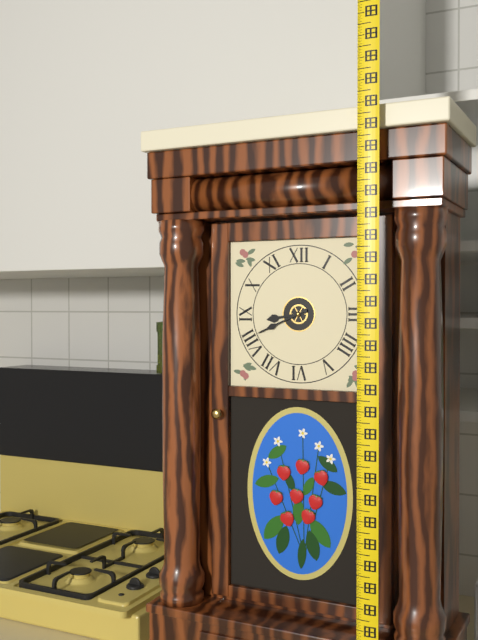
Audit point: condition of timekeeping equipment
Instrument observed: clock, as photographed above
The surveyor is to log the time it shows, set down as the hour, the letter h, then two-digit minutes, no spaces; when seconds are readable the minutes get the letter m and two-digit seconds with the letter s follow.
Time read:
8h41
